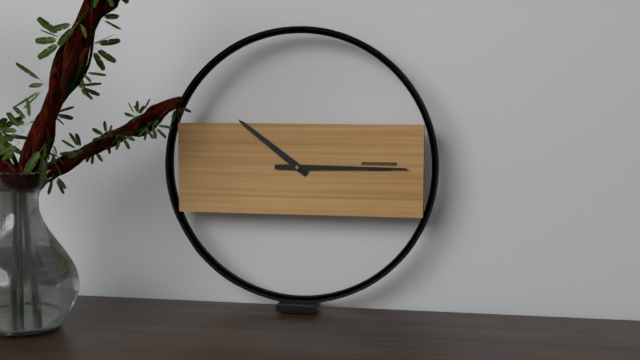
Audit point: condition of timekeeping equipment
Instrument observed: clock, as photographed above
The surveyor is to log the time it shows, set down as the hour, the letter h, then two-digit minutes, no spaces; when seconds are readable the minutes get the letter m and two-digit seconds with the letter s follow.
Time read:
10h15
